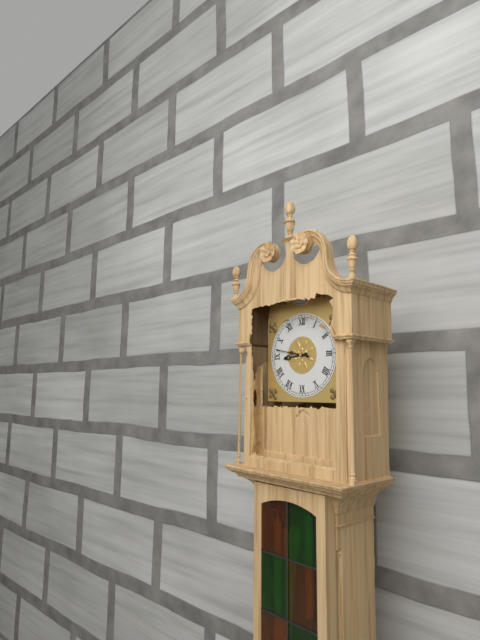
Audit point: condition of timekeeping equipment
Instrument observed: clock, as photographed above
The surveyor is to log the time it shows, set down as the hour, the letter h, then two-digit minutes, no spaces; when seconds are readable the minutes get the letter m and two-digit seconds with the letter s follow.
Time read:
8h47
